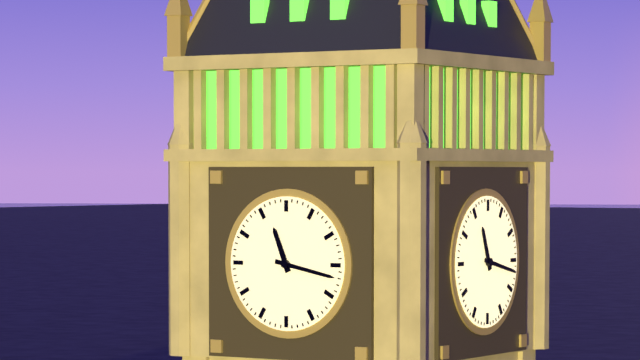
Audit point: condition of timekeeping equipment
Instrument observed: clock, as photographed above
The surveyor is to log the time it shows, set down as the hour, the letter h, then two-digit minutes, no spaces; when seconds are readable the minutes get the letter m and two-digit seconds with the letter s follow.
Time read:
11h17
